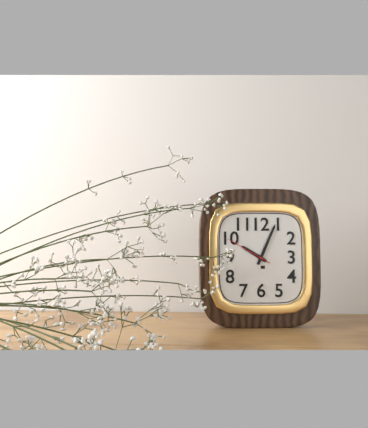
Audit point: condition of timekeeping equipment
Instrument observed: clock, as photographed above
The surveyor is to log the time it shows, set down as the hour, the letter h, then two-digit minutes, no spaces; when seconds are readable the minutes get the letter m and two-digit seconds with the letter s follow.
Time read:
10h04
